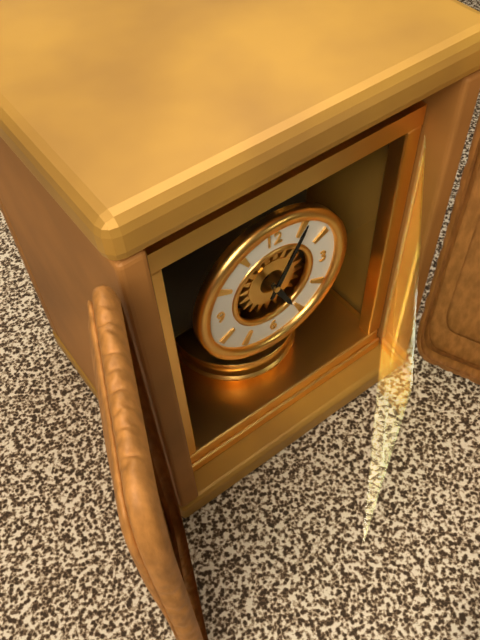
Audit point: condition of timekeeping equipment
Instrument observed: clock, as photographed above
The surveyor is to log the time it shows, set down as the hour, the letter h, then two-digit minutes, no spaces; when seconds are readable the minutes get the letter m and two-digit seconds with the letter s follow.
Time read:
5h05
